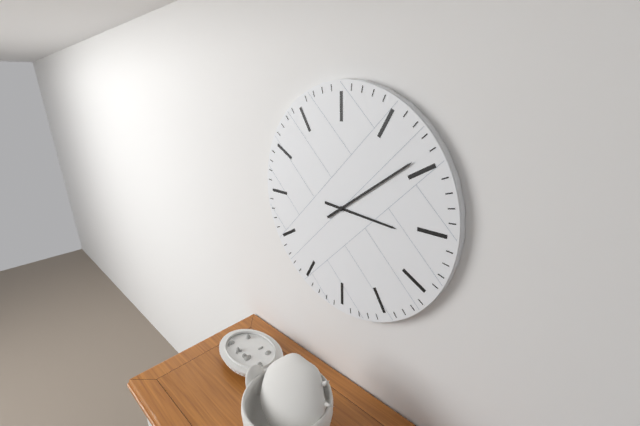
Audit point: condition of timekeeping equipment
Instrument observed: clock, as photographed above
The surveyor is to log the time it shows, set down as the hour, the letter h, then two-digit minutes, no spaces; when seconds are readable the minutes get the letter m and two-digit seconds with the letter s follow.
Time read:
3h09
